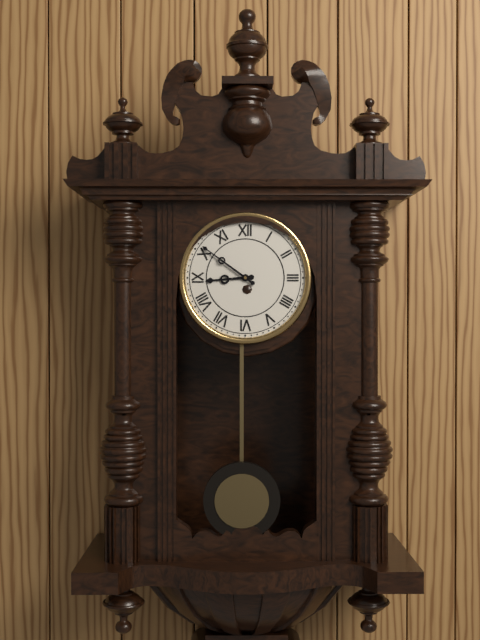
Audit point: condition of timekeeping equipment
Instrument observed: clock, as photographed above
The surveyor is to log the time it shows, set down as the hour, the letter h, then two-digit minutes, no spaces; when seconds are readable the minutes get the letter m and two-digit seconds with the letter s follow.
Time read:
8h51
